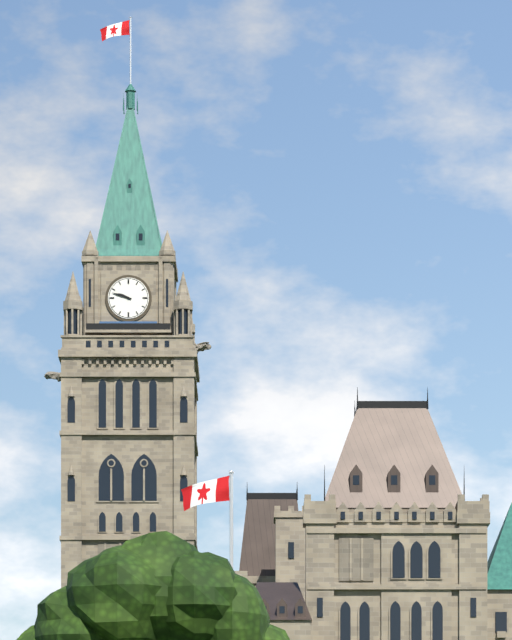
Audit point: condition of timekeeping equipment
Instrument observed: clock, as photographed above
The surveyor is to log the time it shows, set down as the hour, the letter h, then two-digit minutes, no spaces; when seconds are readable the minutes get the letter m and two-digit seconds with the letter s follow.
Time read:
9h48
